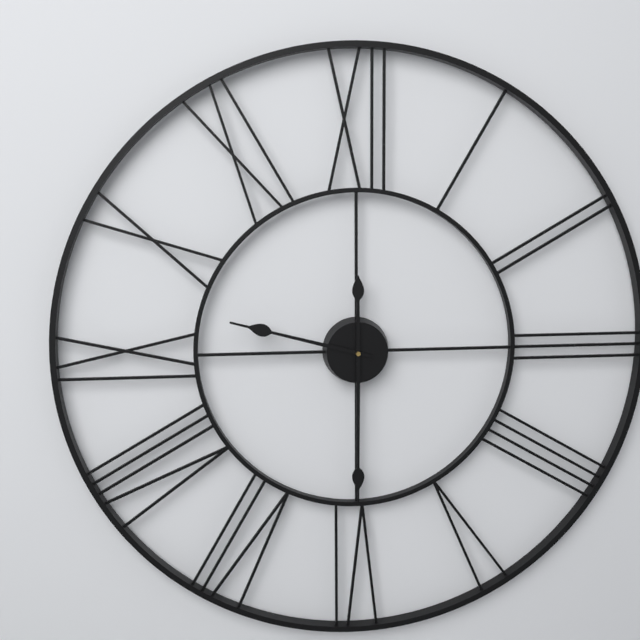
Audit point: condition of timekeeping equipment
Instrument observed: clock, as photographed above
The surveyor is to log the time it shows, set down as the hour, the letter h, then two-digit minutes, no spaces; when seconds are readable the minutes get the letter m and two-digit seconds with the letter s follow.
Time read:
9h30
